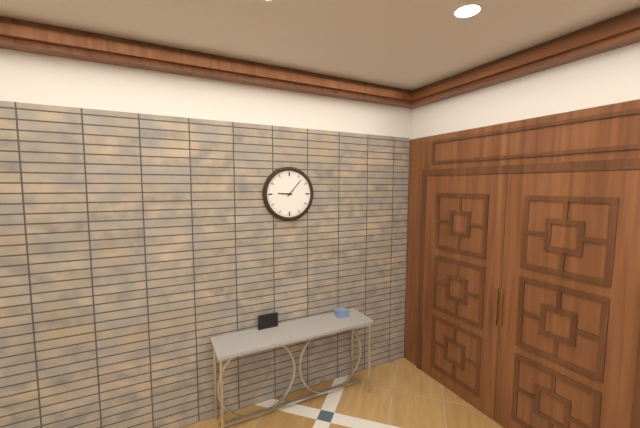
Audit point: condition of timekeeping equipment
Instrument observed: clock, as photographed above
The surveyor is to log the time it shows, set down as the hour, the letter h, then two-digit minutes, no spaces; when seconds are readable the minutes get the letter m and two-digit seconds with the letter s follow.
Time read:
9h07
